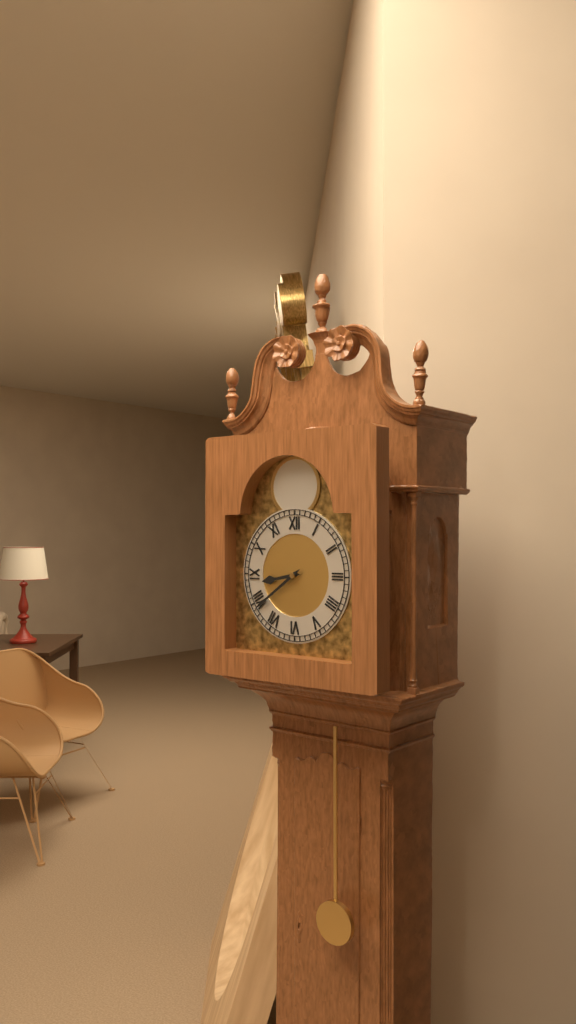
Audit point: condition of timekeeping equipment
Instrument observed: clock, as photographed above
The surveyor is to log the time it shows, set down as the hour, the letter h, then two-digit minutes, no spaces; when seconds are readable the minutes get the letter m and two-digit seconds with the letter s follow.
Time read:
8h39
